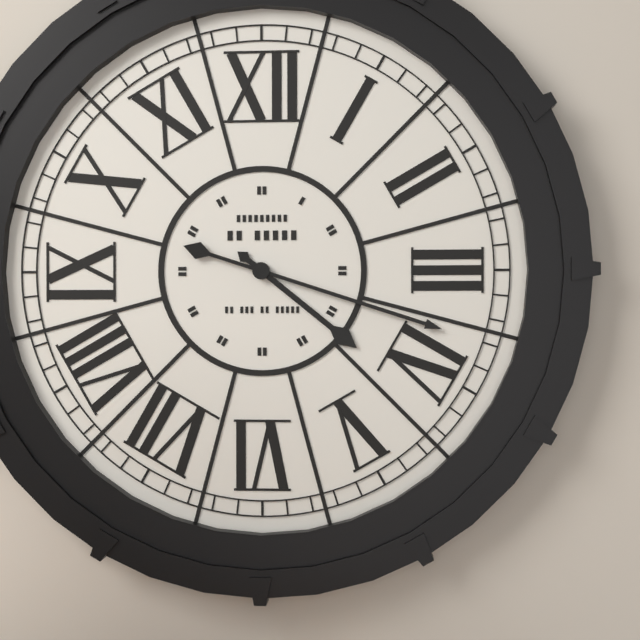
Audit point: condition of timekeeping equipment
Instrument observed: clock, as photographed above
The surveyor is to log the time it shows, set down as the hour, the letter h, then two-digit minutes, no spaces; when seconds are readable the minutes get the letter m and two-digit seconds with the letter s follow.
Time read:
4h18
